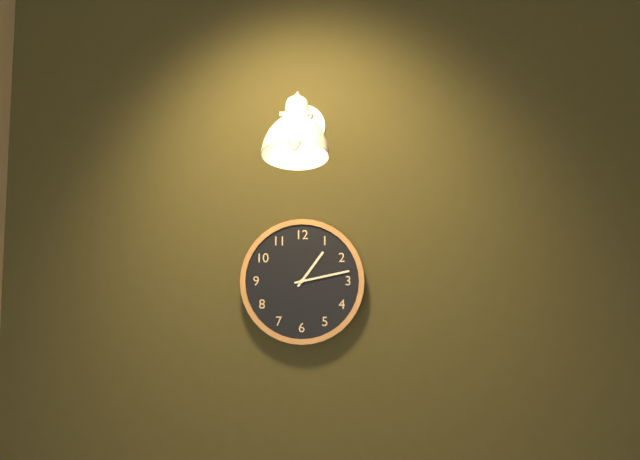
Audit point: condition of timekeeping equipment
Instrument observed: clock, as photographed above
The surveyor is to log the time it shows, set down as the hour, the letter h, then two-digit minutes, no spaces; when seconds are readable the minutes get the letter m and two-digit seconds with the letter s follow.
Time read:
1h13
